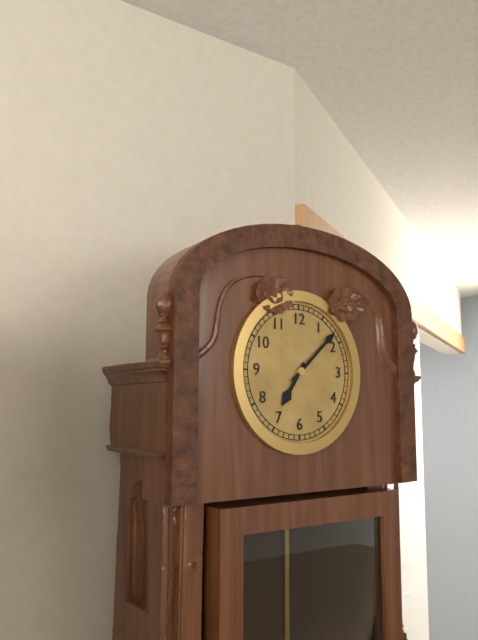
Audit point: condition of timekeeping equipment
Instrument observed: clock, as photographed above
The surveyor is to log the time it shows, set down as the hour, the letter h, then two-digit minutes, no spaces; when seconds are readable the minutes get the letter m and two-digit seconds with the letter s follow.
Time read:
7h08
